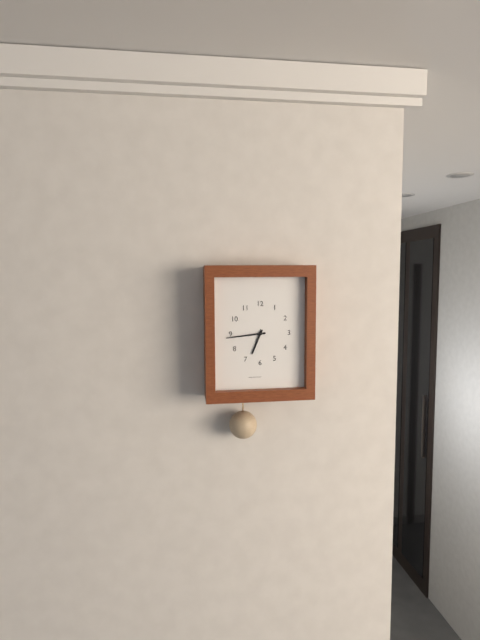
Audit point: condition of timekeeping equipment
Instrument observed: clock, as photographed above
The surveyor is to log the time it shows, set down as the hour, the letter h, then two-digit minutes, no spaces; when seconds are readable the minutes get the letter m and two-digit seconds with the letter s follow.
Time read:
6h44
